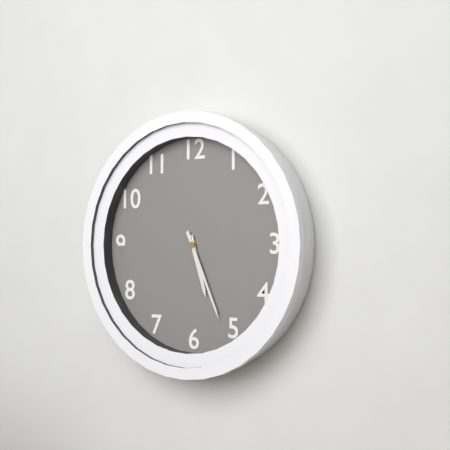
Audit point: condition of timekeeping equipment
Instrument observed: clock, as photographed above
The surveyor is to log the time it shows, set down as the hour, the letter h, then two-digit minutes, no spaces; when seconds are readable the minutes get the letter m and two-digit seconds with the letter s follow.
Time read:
5h26
